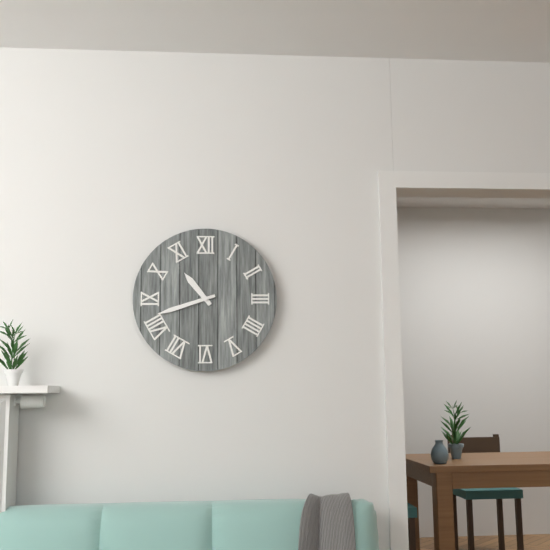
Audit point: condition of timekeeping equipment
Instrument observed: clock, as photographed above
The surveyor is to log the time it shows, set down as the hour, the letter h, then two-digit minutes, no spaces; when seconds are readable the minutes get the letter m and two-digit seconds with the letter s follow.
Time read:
10h42
